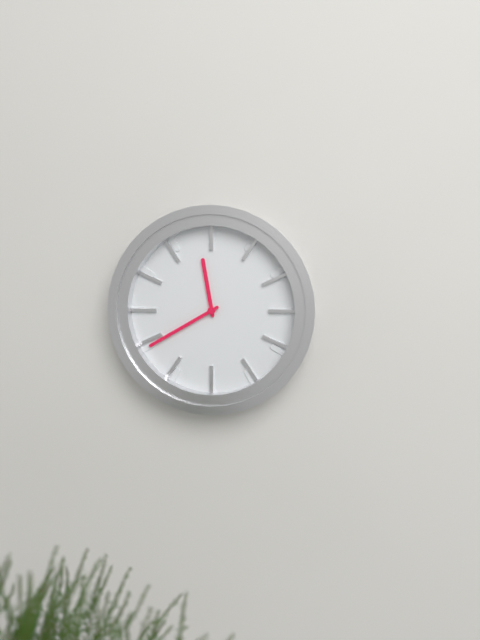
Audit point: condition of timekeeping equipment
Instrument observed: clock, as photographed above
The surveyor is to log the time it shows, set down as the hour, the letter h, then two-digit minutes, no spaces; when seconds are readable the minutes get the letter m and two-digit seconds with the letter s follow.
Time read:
11h40
